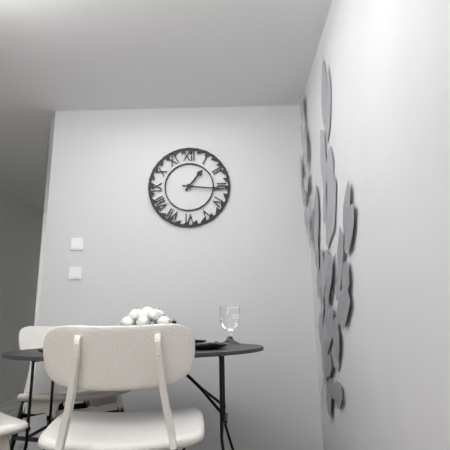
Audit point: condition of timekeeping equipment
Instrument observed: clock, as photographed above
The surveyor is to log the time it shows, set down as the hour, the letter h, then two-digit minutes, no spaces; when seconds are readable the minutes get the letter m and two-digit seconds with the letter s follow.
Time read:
1h16
